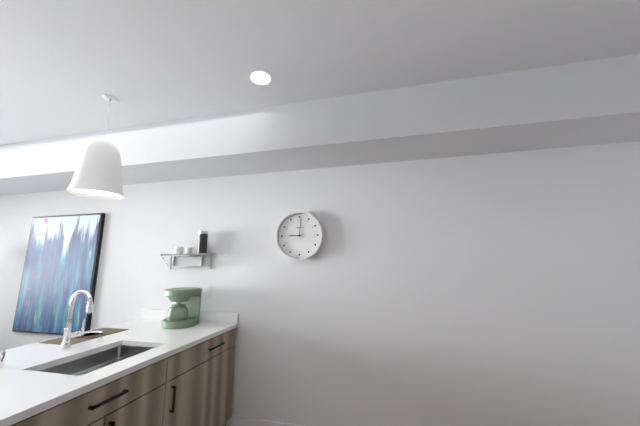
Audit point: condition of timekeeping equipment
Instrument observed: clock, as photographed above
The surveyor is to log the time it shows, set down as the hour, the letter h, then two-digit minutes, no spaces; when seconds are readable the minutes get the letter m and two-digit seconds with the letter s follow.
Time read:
9h01
